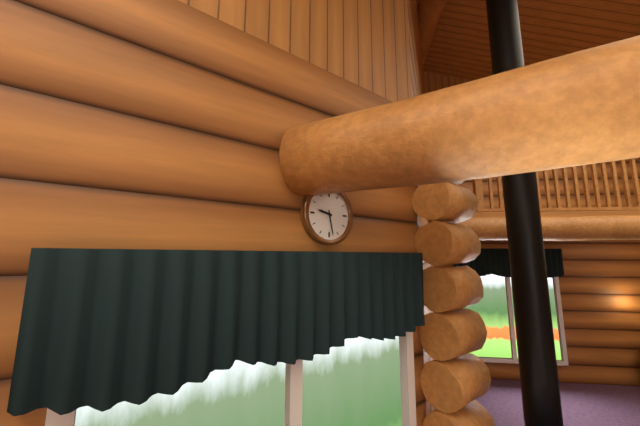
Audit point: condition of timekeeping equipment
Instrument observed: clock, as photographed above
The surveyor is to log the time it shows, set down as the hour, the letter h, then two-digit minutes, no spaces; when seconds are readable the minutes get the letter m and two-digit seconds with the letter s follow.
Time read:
9h28
